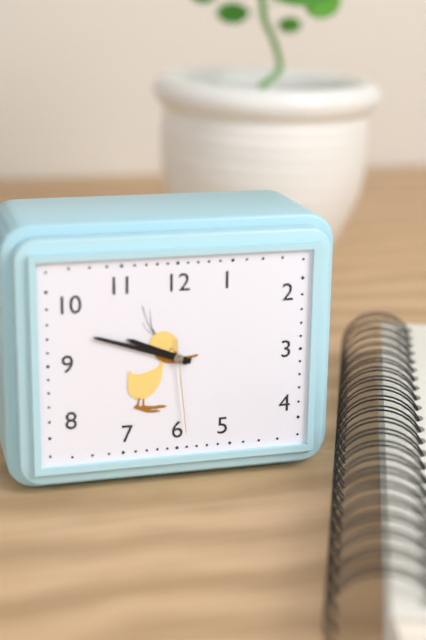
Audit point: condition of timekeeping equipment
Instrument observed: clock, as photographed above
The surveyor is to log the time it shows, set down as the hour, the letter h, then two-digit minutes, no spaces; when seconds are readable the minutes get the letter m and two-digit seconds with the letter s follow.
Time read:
9h48m29s
